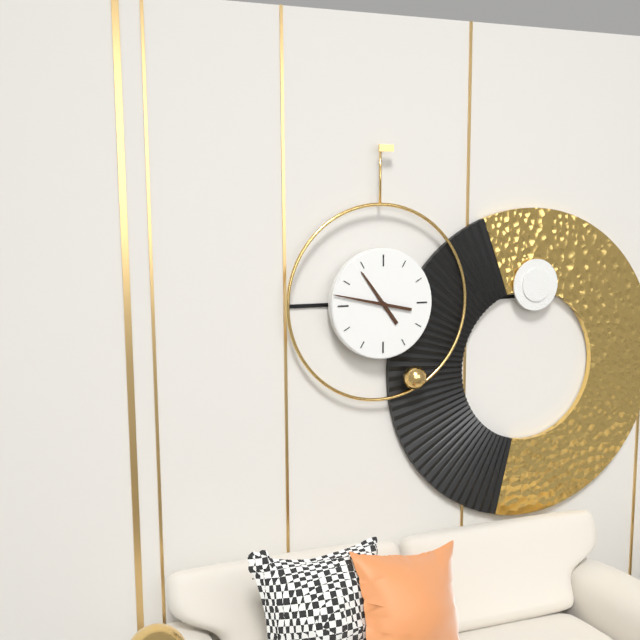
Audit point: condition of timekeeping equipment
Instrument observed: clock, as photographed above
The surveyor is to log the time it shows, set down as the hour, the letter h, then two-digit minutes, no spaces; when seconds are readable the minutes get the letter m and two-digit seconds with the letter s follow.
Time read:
10h47
